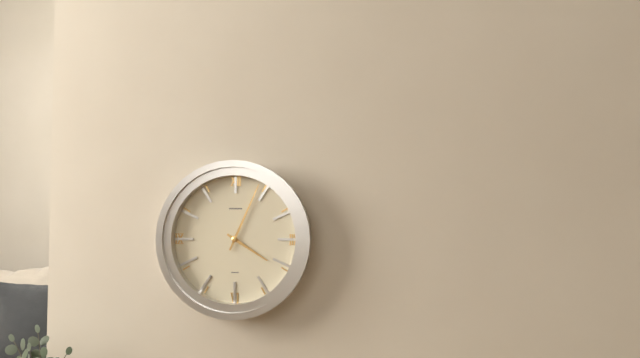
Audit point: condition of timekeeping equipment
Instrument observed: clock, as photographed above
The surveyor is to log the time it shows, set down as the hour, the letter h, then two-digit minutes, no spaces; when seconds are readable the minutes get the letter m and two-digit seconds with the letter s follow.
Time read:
4h04
